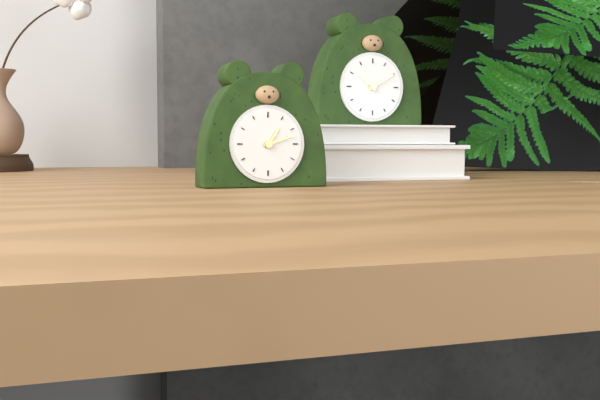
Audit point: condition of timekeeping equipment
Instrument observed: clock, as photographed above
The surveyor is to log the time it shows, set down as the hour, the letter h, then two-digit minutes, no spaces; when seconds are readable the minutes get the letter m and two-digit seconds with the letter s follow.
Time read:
1h12
